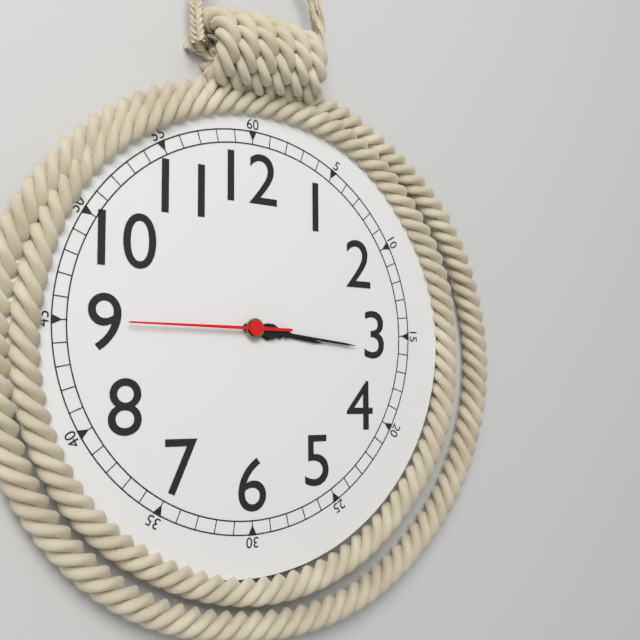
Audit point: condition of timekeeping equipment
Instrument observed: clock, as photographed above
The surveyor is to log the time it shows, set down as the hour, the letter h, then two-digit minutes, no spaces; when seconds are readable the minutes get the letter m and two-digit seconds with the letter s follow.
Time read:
3h16m45s
